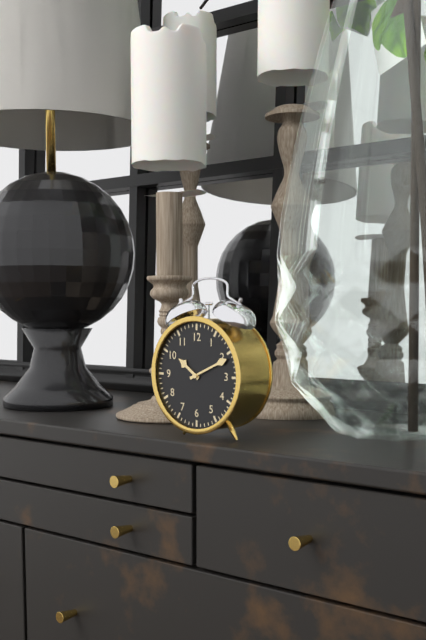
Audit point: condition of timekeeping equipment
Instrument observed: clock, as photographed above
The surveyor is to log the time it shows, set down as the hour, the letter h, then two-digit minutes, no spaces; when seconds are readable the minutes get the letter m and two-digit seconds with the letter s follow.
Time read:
10h11
